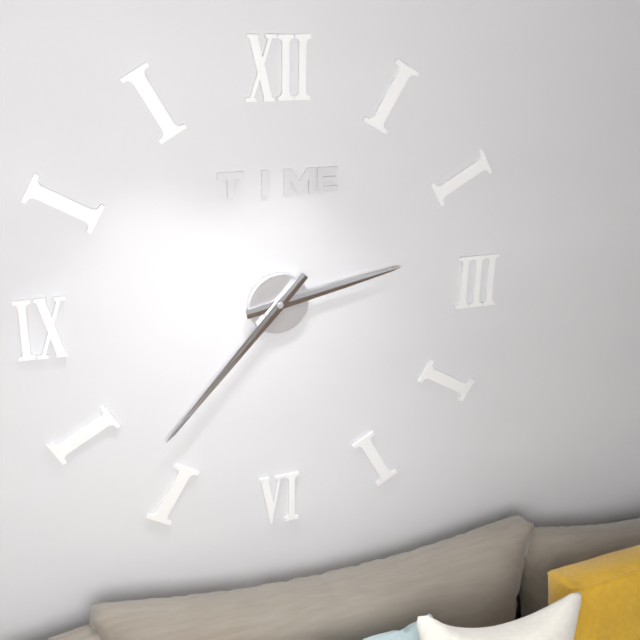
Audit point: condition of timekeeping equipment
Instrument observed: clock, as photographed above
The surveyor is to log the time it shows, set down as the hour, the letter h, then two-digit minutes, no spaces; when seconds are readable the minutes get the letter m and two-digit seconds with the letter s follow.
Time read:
2h37
